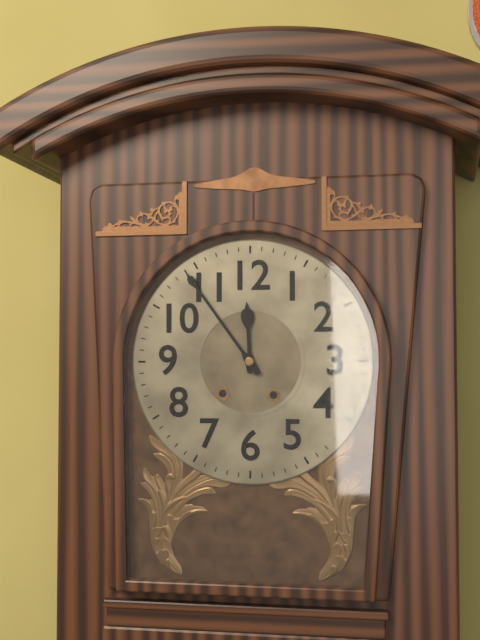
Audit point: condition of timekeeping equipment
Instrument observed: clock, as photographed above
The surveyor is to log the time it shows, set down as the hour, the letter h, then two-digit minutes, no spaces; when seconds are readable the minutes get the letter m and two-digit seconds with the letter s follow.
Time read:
11h54
